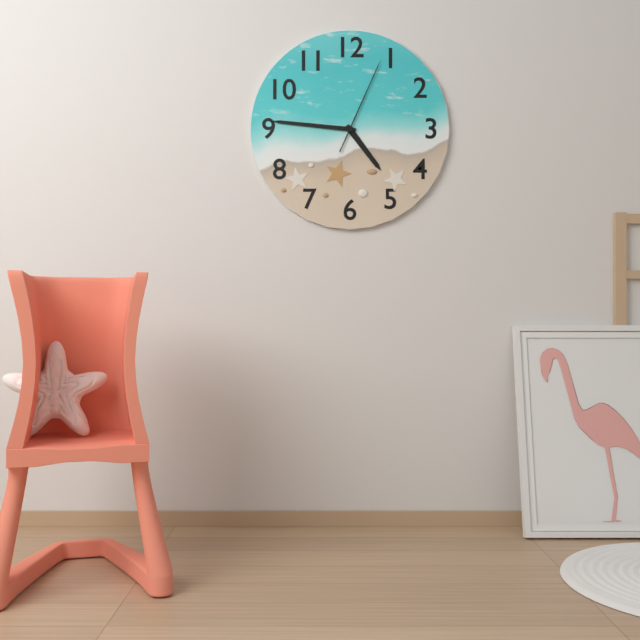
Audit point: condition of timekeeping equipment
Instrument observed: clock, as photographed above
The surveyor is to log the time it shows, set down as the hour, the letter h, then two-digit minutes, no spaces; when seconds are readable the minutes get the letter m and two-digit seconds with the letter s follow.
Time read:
4h46m04s
